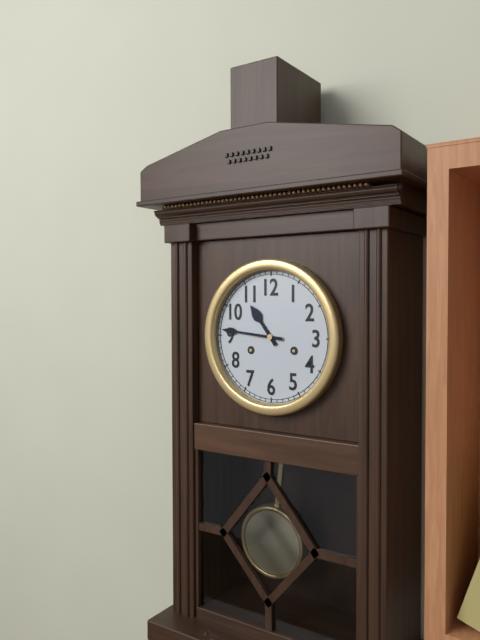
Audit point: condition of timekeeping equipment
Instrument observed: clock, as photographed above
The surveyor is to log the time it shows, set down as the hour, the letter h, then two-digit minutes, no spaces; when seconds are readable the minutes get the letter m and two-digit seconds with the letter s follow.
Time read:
10h46
